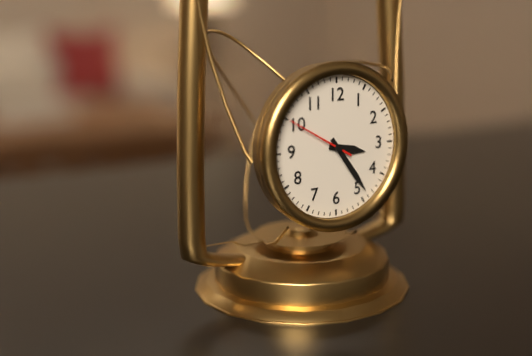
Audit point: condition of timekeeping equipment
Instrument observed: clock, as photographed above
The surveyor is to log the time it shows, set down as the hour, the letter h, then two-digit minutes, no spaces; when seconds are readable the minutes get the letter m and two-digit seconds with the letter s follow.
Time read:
3h24m50s
